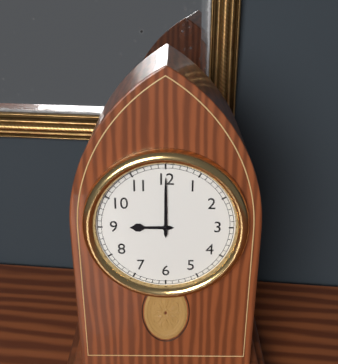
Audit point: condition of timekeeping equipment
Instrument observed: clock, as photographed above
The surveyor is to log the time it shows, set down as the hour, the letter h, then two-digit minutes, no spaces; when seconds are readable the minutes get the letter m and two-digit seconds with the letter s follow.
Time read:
9h00
